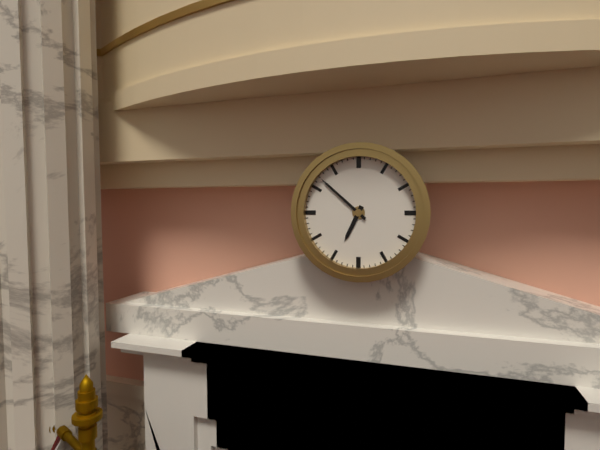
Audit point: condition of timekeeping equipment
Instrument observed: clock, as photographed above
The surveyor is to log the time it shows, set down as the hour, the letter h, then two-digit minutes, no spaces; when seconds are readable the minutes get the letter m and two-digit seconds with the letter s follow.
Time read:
6h52
